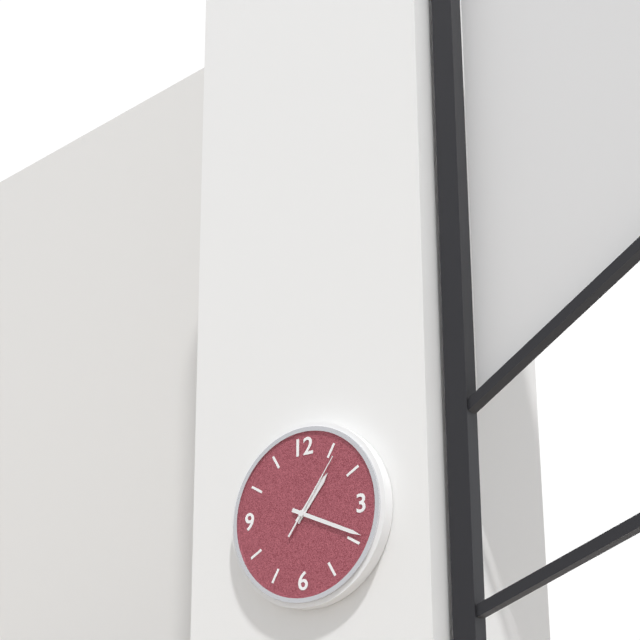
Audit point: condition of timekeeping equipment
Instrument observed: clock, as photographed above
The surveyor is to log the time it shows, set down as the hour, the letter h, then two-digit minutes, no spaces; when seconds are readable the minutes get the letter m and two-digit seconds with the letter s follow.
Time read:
1h19m06s
